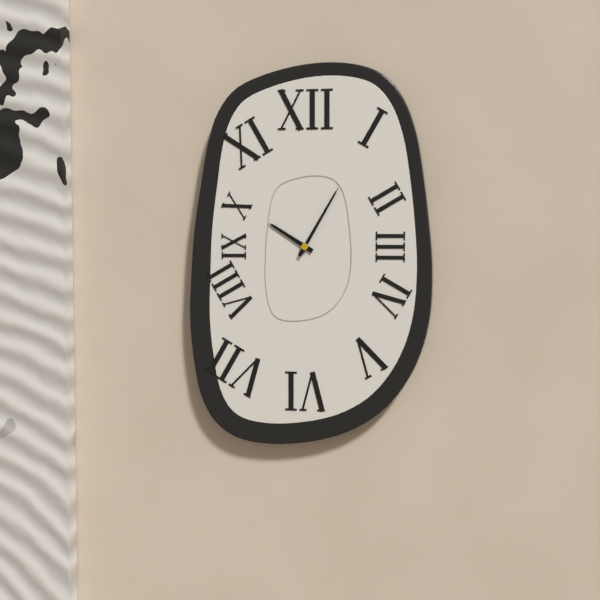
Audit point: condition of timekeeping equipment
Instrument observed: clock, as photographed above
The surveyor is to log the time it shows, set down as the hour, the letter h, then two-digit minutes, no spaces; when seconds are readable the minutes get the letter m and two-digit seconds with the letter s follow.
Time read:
10h05
